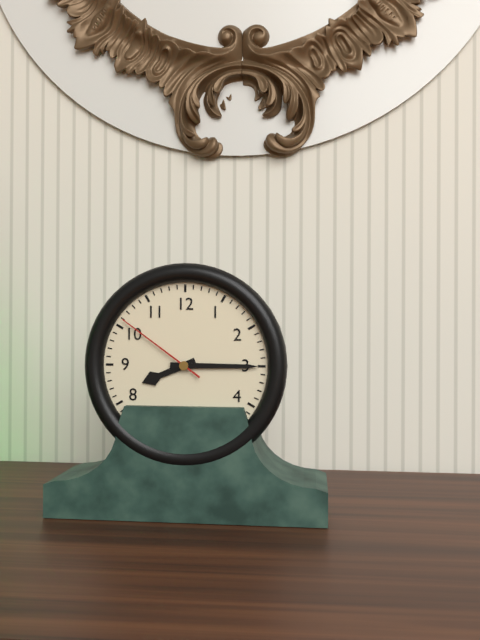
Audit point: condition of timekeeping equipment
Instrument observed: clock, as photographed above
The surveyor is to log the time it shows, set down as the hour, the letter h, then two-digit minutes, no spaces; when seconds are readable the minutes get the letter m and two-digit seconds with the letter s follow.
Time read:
8h15m51s
